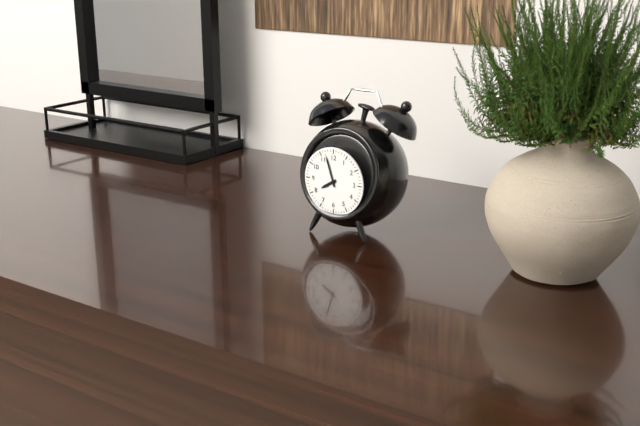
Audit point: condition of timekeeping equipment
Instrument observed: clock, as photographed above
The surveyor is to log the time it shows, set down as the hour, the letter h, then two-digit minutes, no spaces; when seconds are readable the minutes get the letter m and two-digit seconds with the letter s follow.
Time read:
7h57
